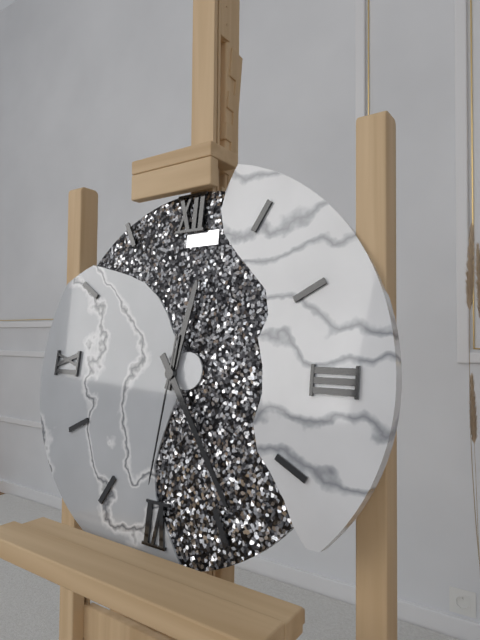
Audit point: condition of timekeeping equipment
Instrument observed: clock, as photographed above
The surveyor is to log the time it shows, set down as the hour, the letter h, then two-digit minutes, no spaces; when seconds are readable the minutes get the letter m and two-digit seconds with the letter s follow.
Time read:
12h24m31s
